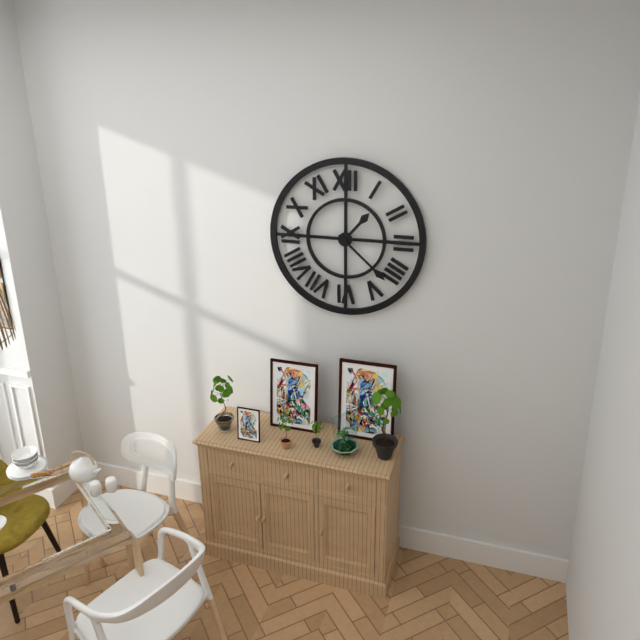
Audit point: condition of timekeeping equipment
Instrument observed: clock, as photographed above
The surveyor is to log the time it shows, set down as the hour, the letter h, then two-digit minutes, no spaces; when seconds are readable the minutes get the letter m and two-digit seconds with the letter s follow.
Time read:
1h22
